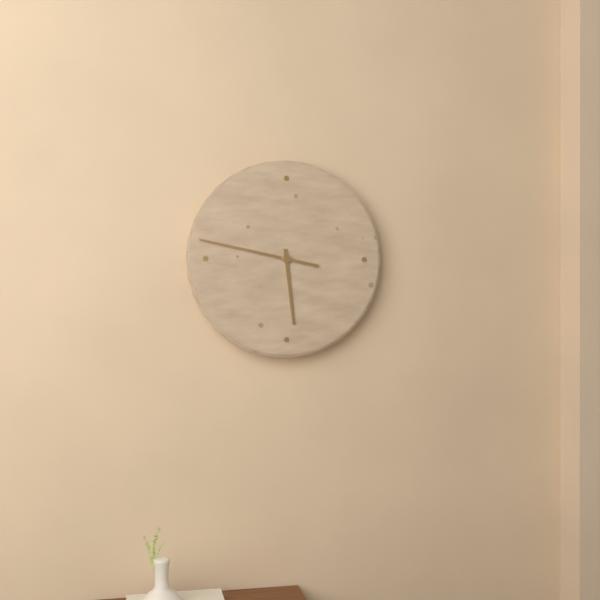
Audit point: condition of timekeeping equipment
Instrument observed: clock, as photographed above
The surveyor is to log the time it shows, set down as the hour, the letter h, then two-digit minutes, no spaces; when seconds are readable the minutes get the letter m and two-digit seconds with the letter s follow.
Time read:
5h47
